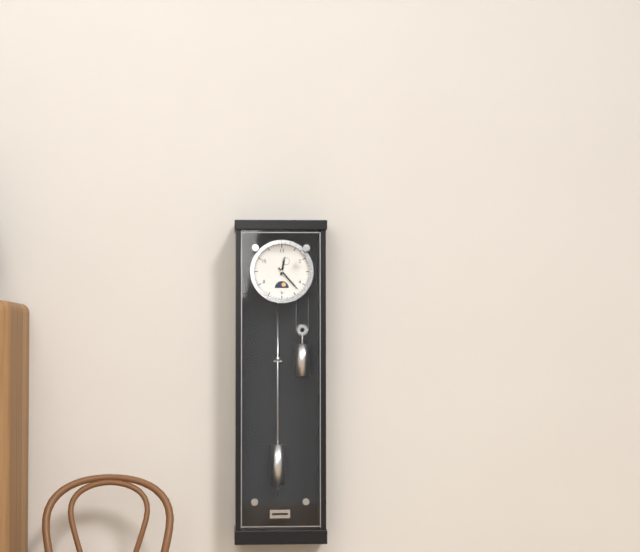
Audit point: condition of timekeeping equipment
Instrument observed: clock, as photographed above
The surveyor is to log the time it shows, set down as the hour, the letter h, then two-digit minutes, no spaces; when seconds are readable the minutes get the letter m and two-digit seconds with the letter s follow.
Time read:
12h23
